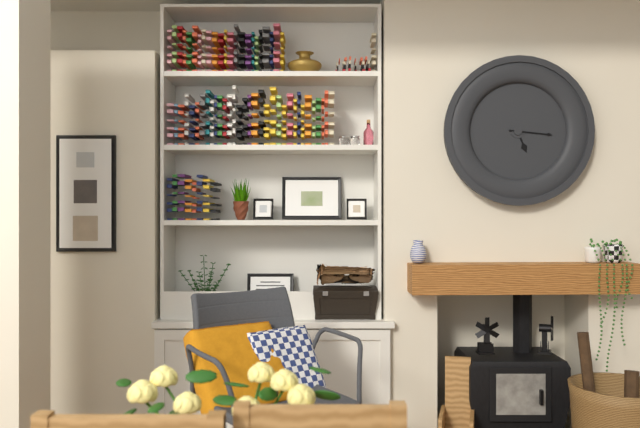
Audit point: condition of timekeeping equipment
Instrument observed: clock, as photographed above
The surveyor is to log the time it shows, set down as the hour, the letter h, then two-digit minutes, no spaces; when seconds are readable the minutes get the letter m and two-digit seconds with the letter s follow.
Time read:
5h16
